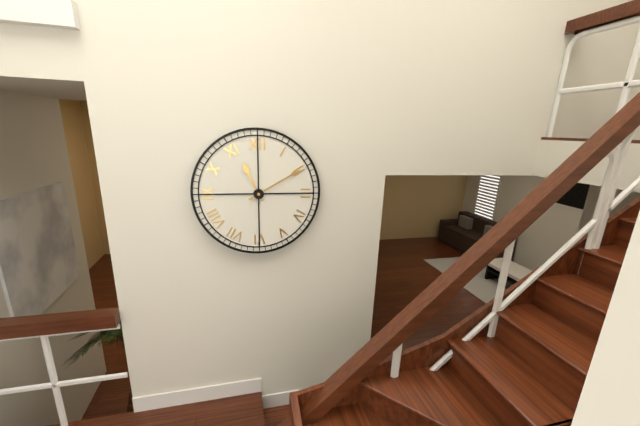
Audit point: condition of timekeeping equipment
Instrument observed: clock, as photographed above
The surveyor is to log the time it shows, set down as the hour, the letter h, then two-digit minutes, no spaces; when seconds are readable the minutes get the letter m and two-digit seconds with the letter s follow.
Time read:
11h10
